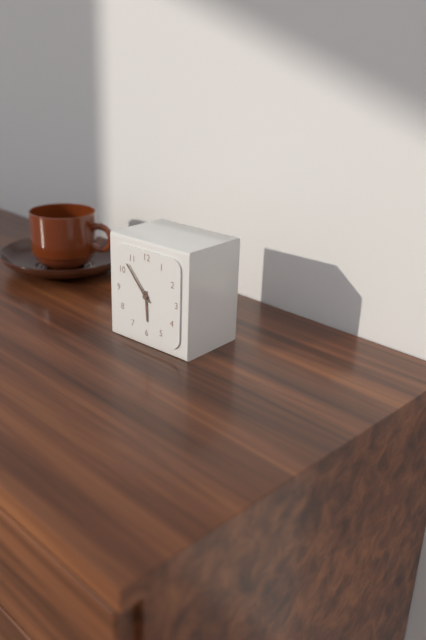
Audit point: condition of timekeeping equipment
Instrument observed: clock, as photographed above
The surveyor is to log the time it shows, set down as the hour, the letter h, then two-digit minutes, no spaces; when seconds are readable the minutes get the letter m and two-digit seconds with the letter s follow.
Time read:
5h53
